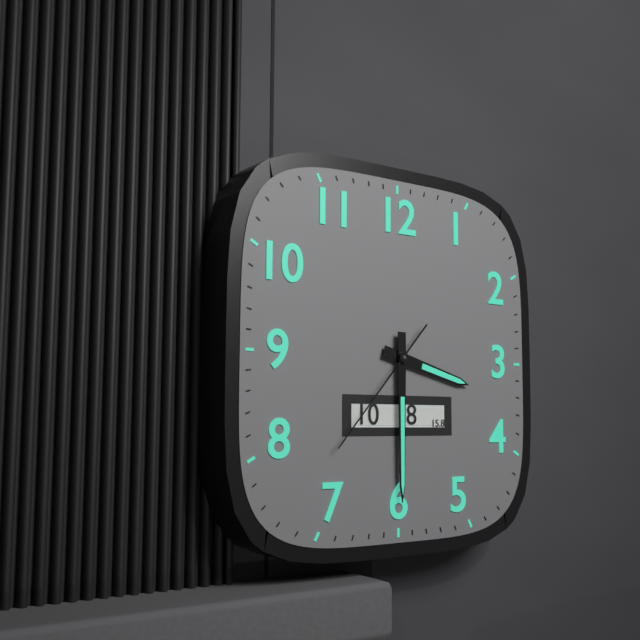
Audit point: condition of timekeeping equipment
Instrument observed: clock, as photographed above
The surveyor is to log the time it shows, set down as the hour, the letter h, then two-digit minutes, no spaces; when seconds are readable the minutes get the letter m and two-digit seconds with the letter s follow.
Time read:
3h30m37s
